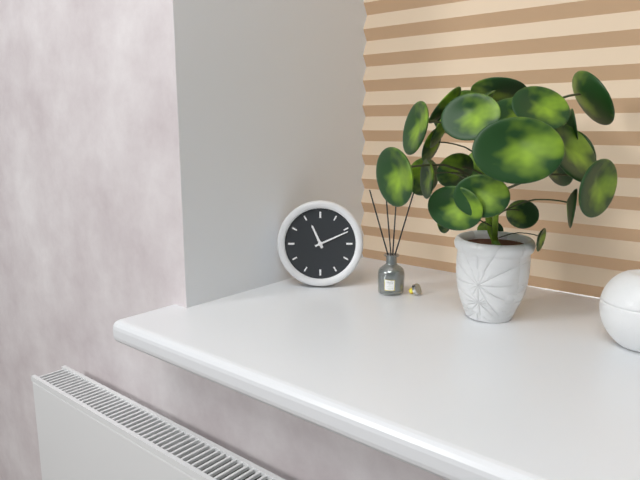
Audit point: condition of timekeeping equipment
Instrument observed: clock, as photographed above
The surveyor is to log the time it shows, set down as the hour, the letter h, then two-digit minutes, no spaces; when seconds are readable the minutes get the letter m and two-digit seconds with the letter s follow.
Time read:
11h11
